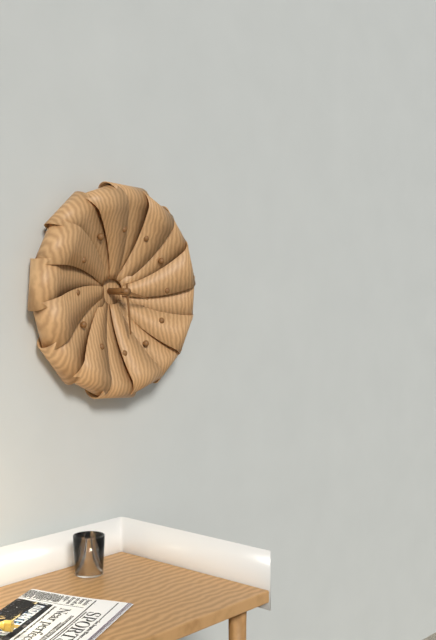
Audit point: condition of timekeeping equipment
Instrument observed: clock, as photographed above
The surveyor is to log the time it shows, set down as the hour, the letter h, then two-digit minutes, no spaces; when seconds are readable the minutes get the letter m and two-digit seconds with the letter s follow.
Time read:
3h29
